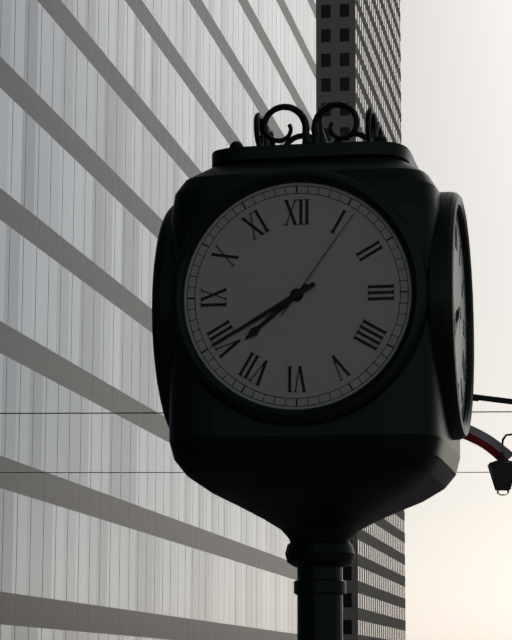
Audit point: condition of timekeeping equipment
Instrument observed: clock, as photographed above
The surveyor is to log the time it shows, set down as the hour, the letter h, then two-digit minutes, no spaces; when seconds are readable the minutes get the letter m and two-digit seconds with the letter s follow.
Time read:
7h40m06s
